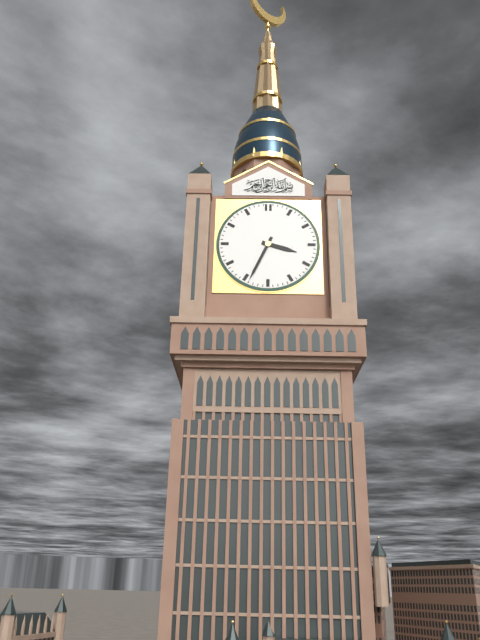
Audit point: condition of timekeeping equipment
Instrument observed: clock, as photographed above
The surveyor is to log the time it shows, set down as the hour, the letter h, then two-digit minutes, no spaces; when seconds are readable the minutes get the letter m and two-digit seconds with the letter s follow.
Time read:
3h34
